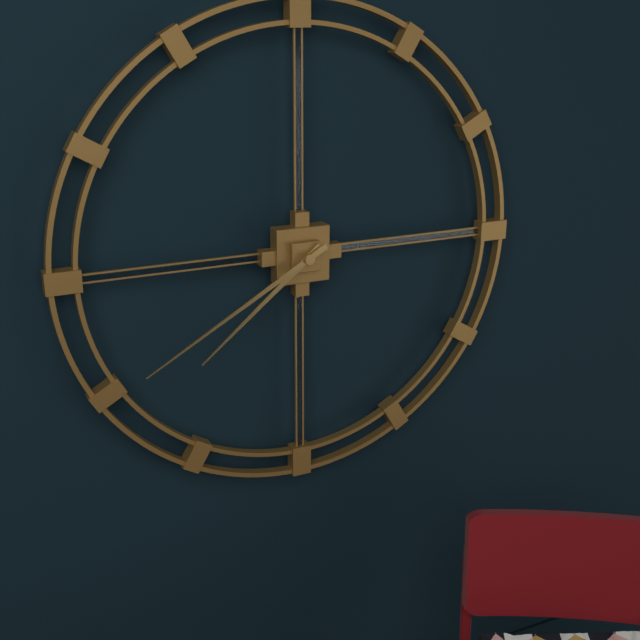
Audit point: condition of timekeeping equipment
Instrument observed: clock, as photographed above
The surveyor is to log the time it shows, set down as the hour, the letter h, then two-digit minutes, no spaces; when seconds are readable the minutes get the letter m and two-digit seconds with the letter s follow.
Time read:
7h40
